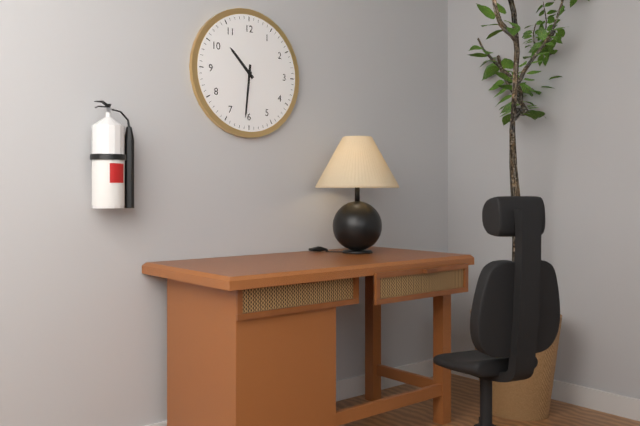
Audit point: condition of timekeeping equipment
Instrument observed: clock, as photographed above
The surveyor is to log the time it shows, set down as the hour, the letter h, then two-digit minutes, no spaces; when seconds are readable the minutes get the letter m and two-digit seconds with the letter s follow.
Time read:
10h31
